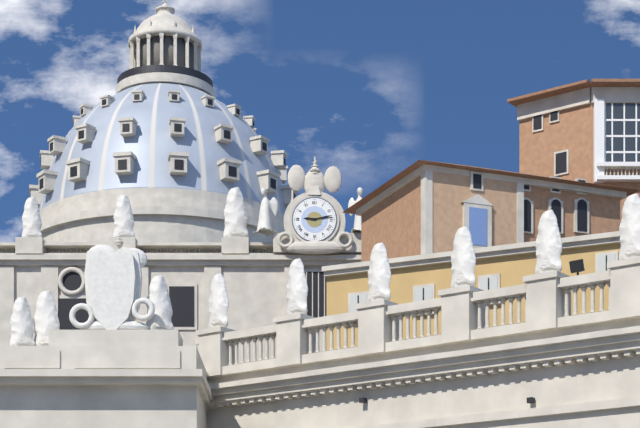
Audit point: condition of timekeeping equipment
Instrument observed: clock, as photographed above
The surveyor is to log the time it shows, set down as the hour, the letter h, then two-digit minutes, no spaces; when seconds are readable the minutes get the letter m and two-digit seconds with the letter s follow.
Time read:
9h13
